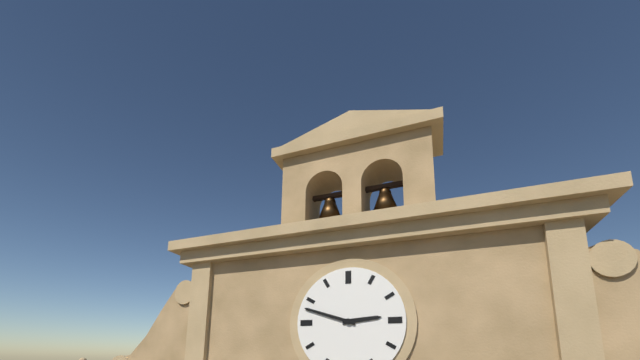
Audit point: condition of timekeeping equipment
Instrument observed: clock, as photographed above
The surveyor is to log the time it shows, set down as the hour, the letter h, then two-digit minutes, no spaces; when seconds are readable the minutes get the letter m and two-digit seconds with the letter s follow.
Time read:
2h48
